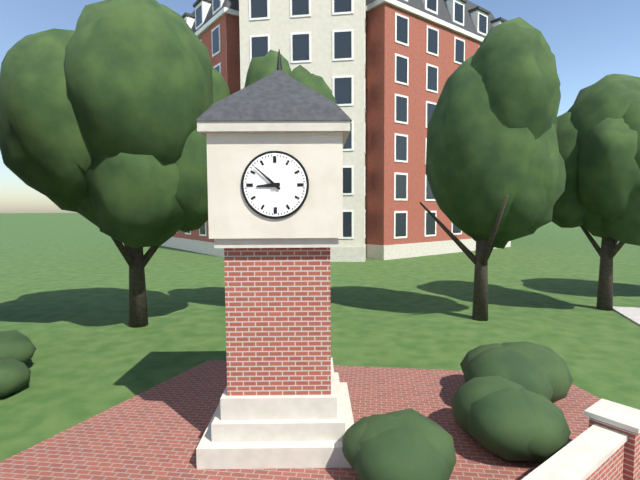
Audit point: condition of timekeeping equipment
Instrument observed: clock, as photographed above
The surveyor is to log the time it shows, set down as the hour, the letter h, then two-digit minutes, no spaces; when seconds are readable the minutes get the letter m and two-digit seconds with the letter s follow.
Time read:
8h52
